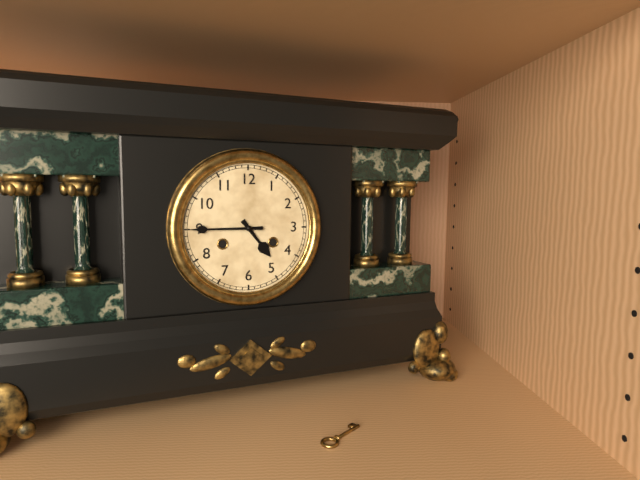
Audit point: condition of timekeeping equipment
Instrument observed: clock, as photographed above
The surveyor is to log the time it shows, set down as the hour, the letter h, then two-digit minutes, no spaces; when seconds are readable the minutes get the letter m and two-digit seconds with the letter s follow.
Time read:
4h45
